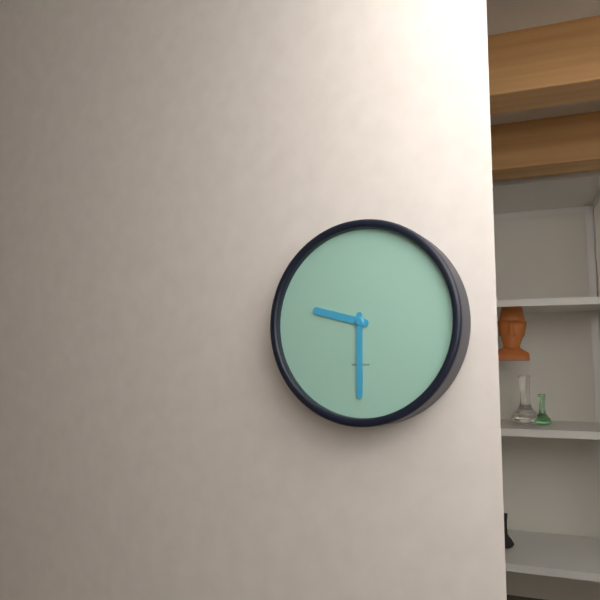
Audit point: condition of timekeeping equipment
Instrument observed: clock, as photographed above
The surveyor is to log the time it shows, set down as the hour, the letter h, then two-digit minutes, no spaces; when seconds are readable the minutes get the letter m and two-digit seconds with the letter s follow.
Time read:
9h30
